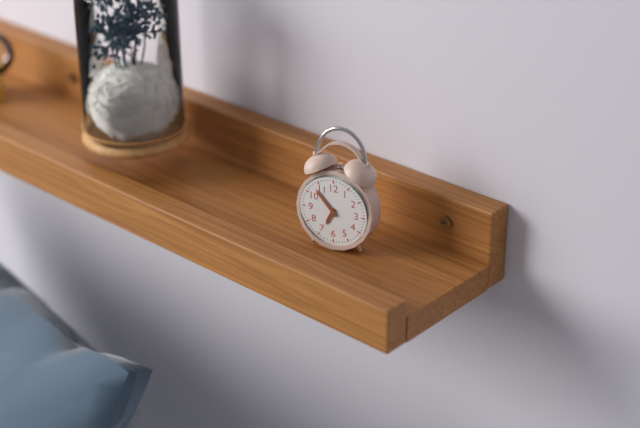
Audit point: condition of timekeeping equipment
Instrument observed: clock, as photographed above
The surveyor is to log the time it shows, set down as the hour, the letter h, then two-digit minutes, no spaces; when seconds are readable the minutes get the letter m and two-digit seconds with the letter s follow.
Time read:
6h53
